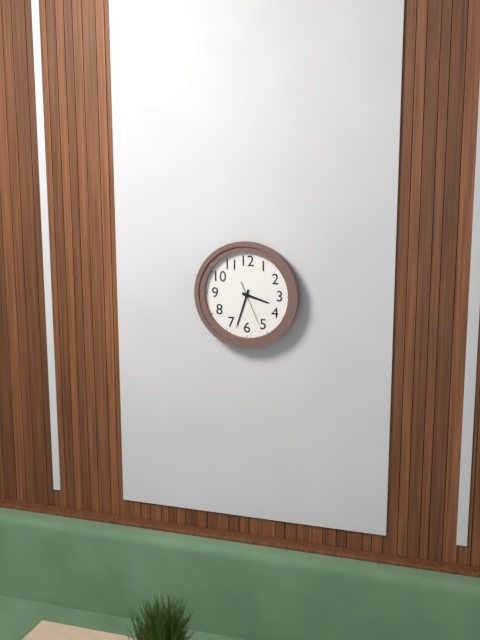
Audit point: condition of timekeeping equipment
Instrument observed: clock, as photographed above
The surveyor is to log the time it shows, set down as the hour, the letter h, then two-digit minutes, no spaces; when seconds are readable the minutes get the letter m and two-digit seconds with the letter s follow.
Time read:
3h33
